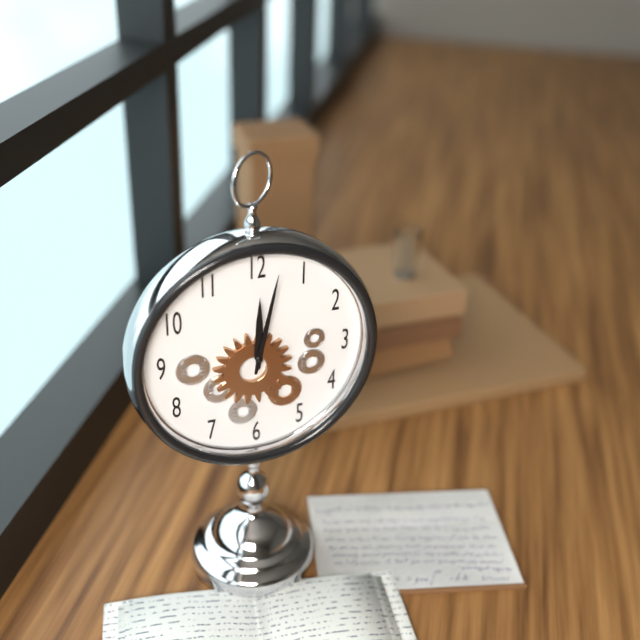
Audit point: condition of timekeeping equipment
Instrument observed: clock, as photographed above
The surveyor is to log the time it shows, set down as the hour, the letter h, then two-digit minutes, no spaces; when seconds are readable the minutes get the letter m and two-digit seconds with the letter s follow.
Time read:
12h02
